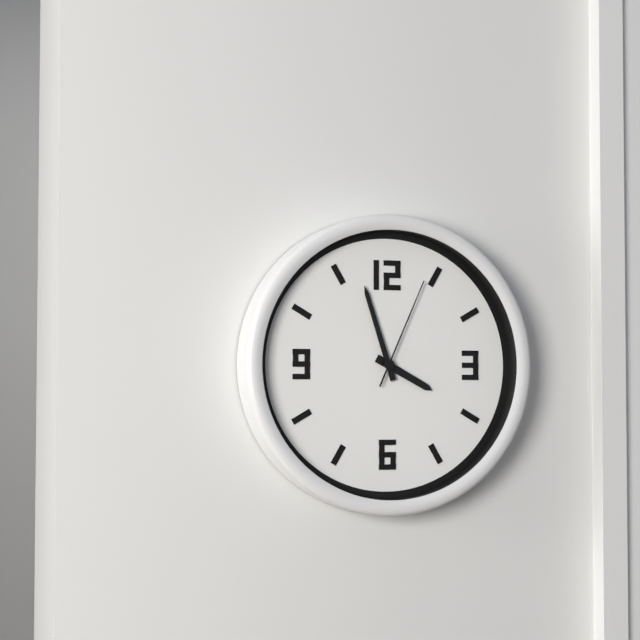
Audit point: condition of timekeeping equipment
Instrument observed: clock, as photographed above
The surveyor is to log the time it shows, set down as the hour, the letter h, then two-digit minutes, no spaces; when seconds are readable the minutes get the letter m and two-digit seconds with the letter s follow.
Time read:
3h57m04s
